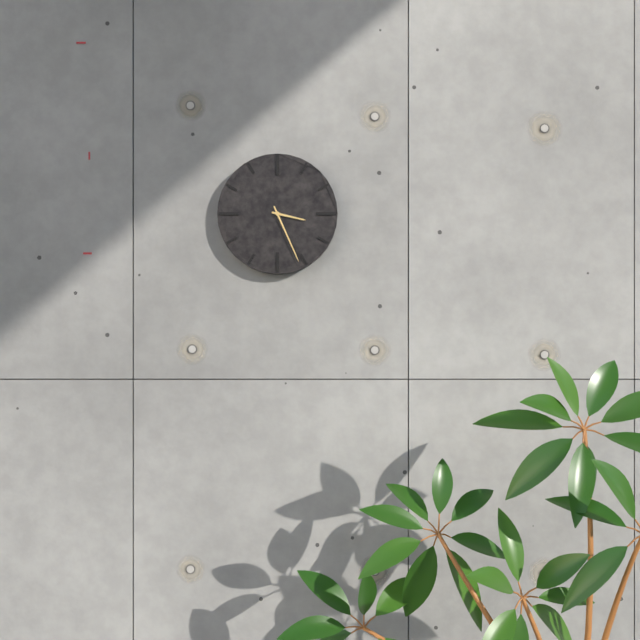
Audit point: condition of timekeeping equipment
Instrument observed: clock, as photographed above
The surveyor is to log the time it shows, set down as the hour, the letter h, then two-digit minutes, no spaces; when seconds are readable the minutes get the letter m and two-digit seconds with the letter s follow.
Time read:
3h26
